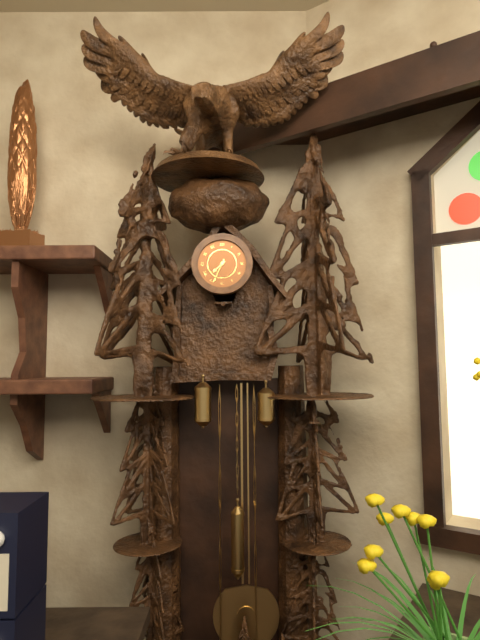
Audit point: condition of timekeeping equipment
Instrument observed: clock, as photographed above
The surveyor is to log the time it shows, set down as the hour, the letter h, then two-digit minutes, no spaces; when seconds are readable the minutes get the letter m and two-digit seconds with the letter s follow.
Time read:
7h34
